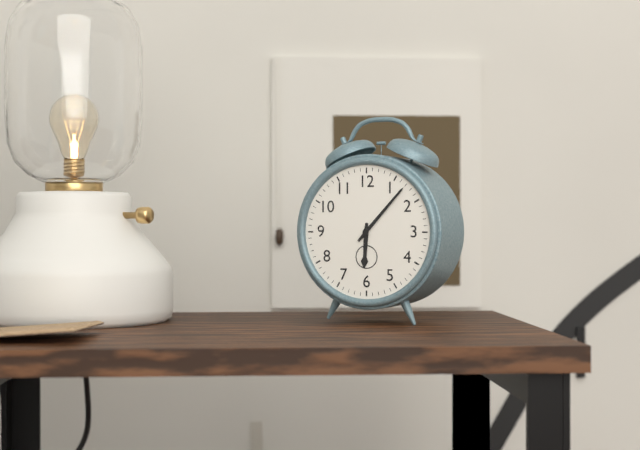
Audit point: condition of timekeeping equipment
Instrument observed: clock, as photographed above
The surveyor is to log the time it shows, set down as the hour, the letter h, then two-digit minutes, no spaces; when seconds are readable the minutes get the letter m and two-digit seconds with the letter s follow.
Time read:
6h07
